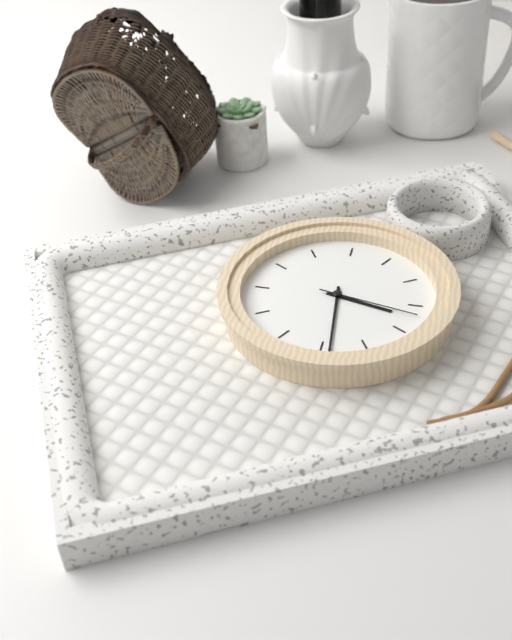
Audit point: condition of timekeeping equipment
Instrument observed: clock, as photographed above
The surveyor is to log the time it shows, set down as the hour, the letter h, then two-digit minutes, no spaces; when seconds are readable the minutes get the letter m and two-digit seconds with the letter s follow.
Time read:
3h29m17s
